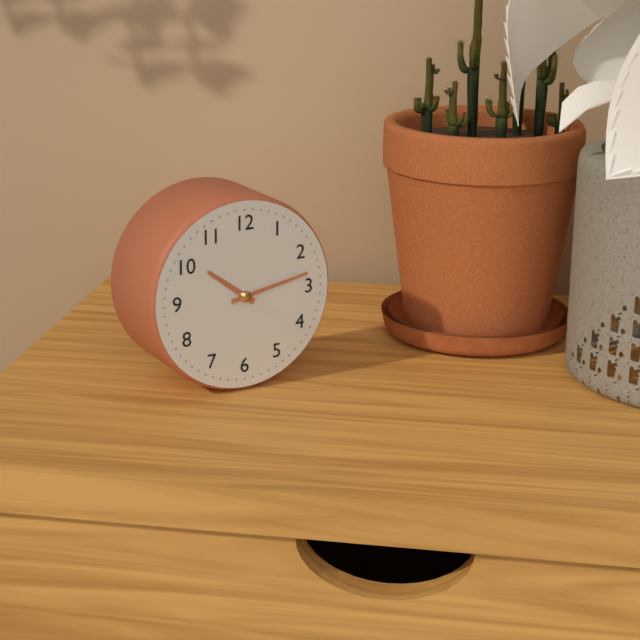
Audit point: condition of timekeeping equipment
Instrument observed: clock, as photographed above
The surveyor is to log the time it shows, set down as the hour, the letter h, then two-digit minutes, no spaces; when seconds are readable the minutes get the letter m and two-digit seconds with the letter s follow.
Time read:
10h13
